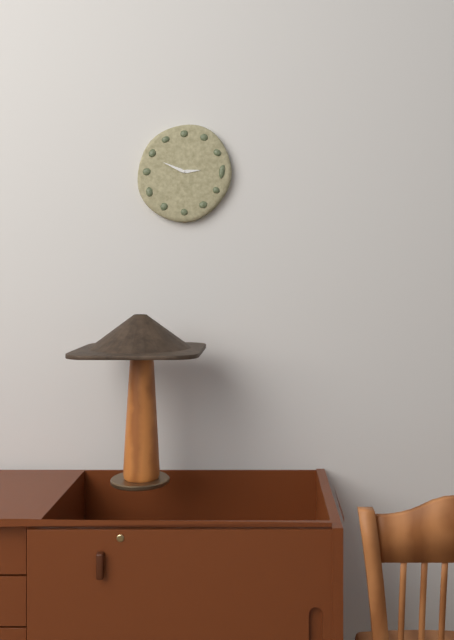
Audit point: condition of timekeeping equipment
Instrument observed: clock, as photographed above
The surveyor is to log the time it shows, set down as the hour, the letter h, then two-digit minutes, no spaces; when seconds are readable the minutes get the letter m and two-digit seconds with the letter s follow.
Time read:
2h49
